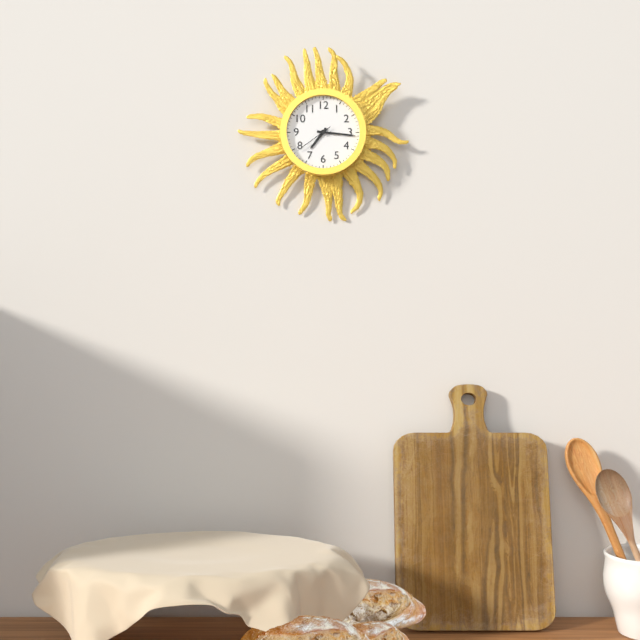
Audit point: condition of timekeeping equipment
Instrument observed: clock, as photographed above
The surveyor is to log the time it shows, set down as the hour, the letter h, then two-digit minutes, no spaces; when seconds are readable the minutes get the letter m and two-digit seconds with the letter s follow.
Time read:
7h16
